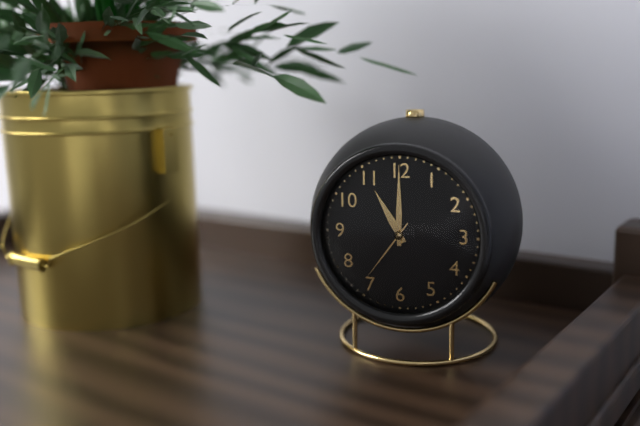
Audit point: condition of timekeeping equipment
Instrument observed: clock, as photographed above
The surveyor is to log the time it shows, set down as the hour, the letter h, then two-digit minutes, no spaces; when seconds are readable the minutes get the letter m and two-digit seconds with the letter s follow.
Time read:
11h00m36s
